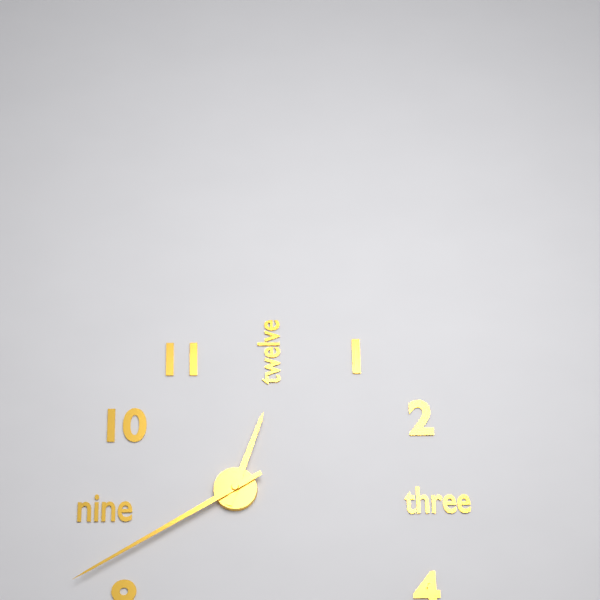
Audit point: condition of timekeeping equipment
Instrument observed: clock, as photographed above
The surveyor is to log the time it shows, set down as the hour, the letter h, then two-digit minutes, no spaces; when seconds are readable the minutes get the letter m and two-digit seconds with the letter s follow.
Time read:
12h40
